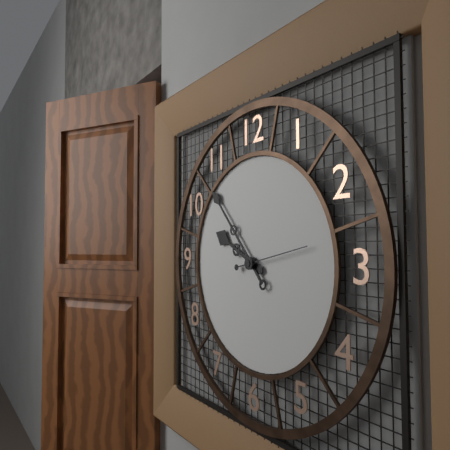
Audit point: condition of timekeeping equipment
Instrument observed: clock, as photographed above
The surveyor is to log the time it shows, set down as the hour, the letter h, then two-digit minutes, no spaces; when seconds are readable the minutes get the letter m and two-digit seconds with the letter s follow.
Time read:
9h53m13s
